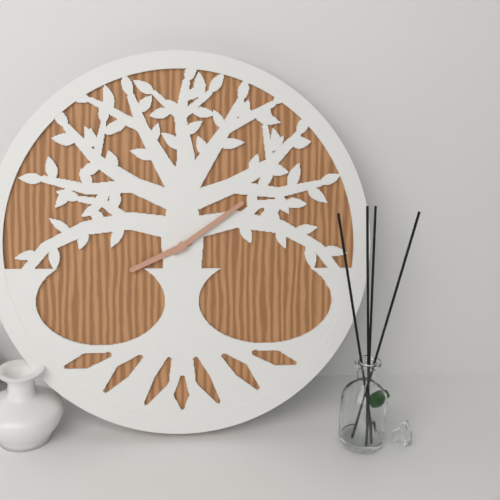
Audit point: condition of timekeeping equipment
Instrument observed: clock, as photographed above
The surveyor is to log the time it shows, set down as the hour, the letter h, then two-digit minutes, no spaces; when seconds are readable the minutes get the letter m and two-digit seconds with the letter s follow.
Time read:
8h09
